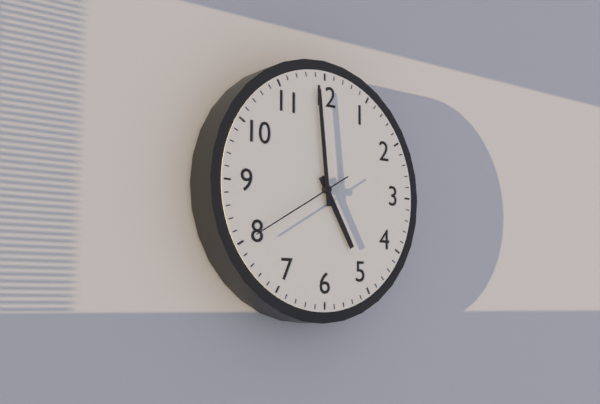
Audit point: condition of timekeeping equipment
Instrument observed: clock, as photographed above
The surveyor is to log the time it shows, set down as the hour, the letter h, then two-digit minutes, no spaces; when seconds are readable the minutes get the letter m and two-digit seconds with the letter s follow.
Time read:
4h59m40s
